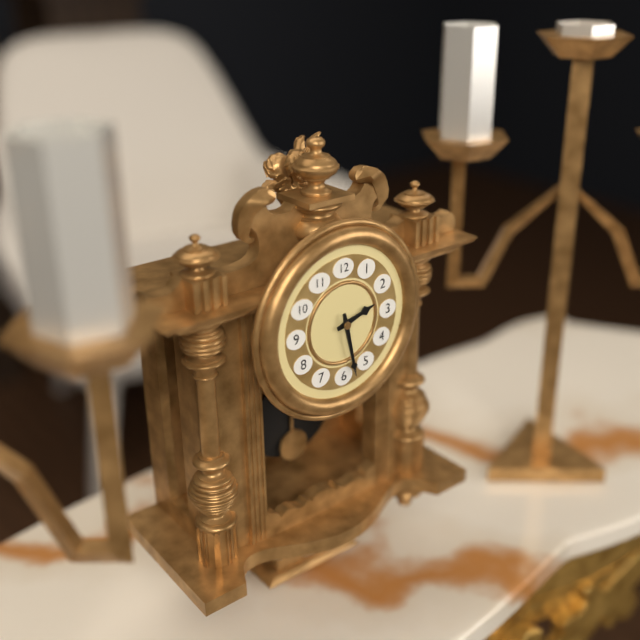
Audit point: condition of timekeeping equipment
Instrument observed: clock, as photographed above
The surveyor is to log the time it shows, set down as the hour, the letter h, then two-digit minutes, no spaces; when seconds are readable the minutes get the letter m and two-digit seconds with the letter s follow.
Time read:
2h28
